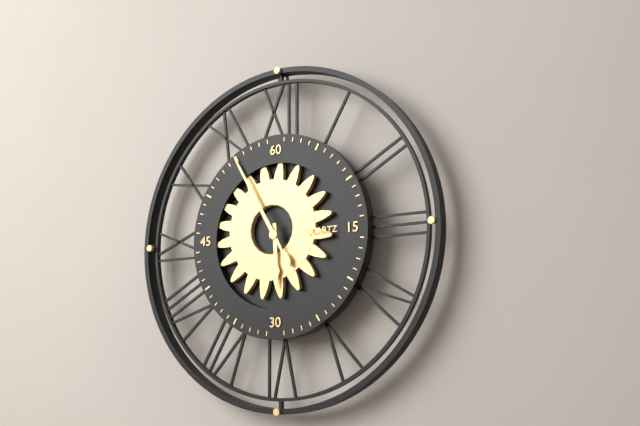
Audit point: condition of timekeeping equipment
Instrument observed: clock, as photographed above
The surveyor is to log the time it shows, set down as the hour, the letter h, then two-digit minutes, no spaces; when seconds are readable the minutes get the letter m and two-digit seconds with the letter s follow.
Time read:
5h55
